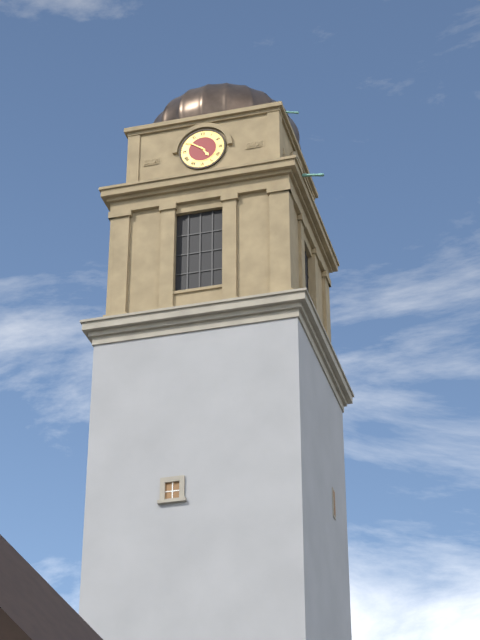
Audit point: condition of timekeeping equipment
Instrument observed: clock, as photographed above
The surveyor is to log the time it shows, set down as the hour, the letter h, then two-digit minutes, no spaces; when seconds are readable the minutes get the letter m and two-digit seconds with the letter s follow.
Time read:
4h51
